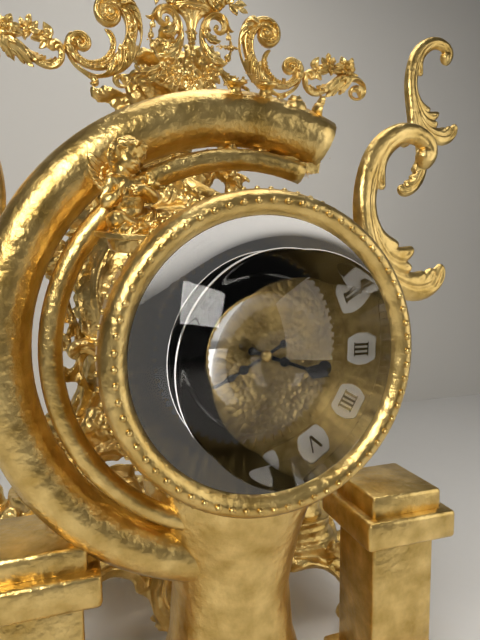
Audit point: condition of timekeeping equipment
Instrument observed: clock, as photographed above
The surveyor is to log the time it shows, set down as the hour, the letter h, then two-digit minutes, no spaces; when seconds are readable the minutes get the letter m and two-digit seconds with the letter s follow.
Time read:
3h40
